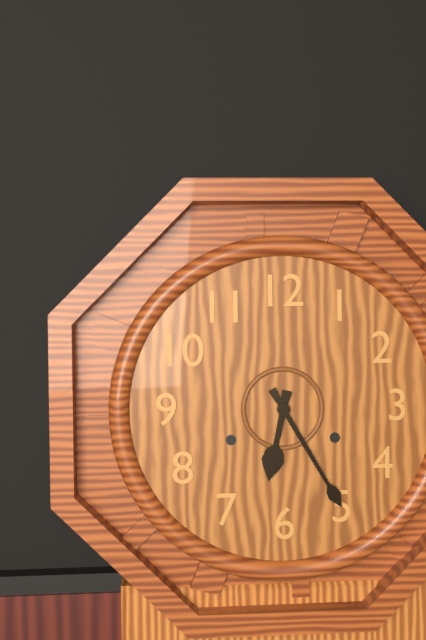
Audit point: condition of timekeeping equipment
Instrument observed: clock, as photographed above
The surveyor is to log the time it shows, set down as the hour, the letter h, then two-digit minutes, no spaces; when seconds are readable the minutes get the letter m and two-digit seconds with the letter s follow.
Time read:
6h25
